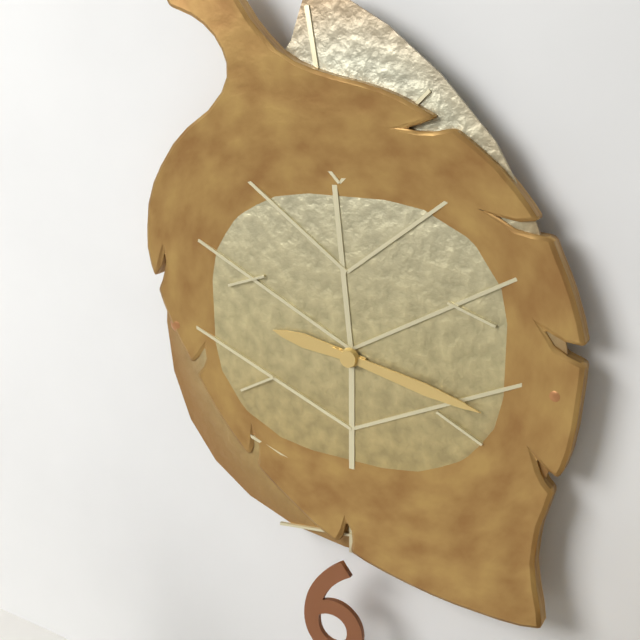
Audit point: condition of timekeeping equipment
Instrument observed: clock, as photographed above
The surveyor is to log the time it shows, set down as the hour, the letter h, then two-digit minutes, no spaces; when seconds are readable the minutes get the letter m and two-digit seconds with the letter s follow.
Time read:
9h17
